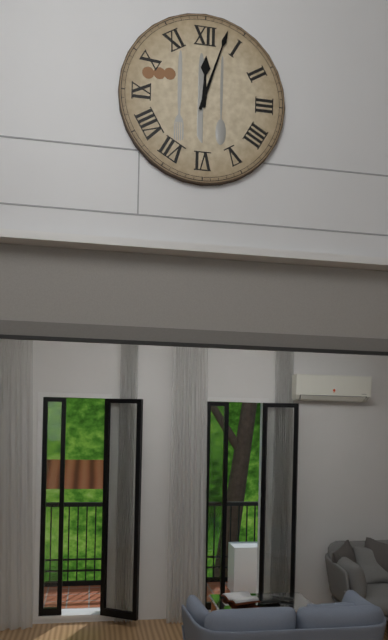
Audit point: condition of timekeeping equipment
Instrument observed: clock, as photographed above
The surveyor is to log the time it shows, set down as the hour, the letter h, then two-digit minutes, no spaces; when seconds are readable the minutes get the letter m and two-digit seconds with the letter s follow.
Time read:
12h03
